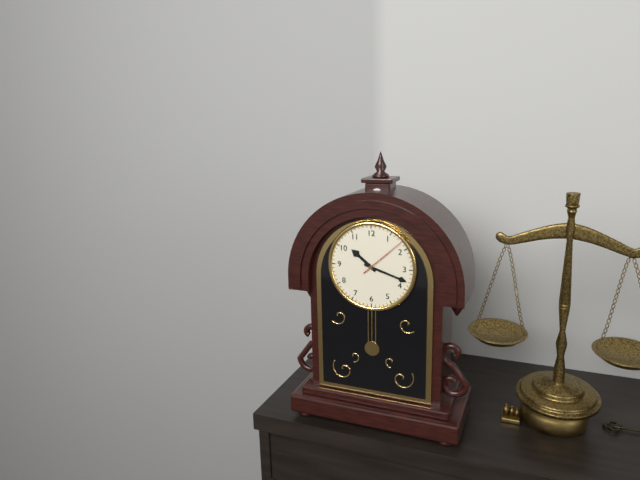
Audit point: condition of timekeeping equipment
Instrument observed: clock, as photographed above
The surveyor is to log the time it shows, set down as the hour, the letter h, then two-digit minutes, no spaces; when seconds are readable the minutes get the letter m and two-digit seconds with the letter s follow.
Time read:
10h18
